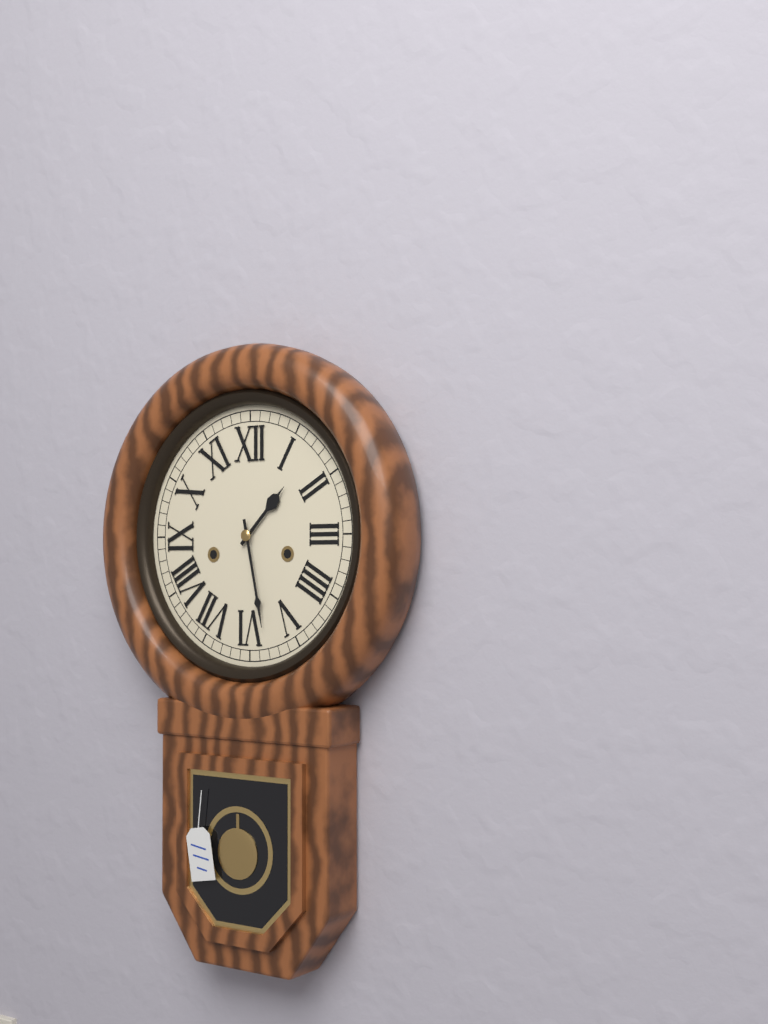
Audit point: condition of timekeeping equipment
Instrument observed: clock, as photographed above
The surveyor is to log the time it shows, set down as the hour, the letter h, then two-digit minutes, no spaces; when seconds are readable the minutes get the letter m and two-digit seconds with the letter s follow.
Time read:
1h28
